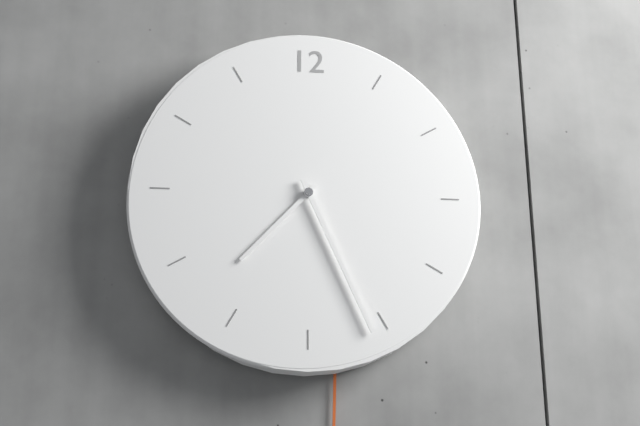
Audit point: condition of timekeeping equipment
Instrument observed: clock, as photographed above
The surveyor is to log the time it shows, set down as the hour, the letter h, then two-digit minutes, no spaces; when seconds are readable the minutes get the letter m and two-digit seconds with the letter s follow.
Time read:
7h26
